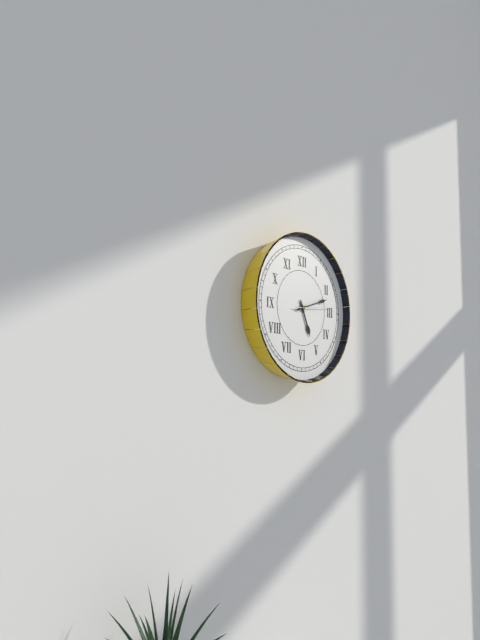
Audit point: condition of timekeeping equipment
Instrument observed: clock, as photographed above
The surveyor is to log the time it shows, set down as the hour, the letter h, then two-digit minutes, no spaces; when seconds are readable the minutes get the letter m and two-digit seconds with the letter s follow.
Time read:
5h12
